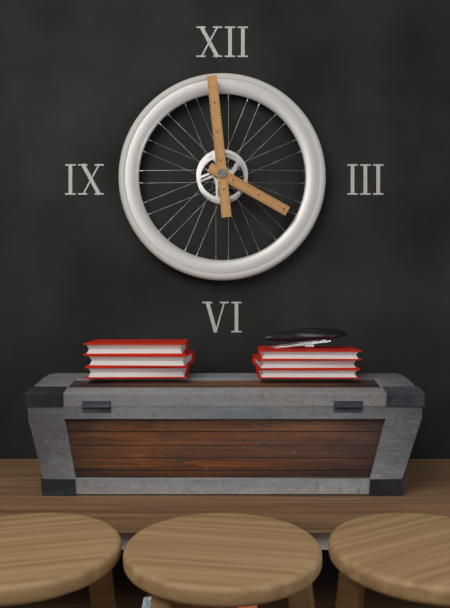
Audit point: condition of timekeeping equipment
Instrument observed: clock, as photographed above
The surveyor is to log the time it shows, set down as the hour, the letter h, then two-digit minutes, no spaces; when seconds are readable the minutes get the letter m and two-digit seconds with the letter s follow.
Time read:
3h59
